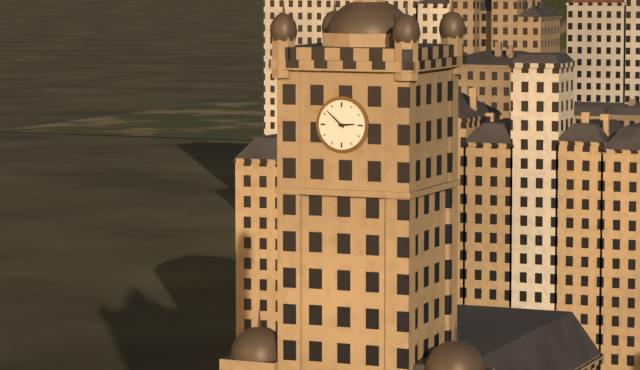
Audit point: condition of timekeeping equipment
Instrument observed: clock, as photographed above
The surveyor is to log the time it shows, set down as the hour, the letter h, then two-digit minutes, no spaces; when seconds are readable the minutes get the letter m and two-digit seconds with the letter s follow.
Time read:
2h52
